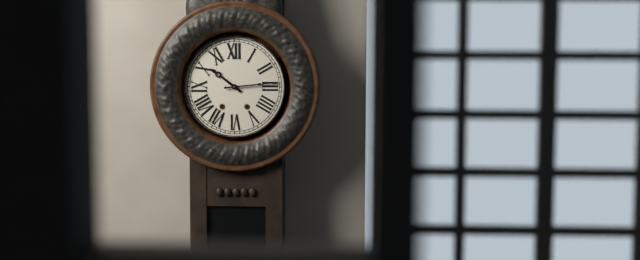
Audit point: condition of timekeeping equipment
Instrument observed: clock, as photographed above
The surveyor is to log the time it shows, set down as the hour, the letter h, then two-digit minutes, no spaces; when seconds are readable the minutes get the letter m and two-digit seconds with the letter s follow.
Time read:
10h14
